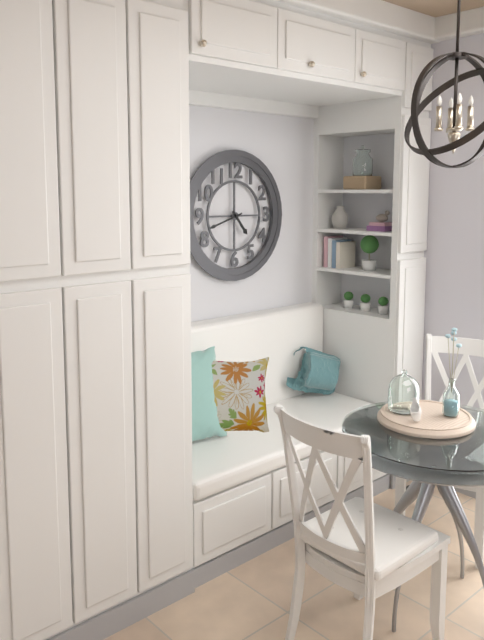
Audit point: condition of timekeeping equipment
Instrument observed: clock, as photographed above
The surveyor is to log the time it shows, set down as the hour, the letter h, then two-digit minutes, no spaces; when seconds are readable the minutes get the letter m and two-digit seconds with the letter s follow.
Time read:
4h42
